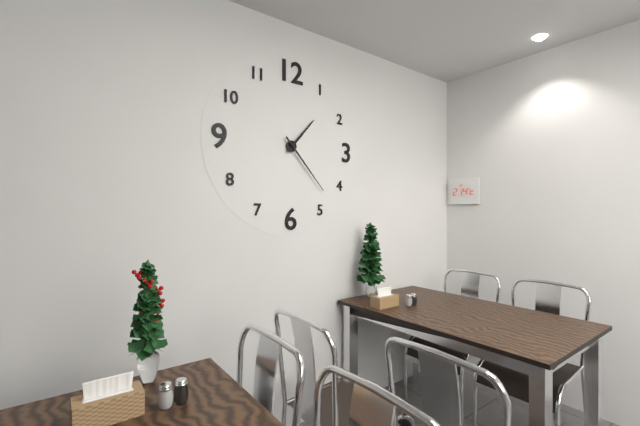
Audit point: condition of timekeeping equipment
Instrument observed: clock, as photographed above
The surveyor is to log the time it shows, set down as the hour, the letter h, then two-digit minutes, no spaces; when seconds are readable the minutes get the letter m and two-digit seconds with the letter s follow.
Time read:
1h23
